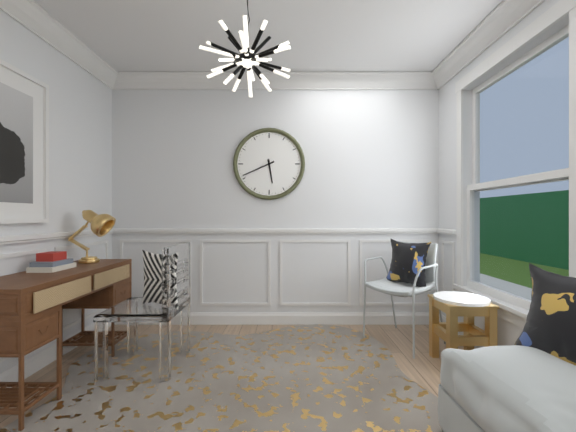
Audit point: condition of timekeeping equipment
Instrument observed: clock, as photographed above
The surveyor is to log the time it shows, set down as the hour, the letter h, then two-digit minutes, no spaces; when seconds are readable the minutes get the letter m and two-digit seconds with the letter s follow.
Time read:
5h41
